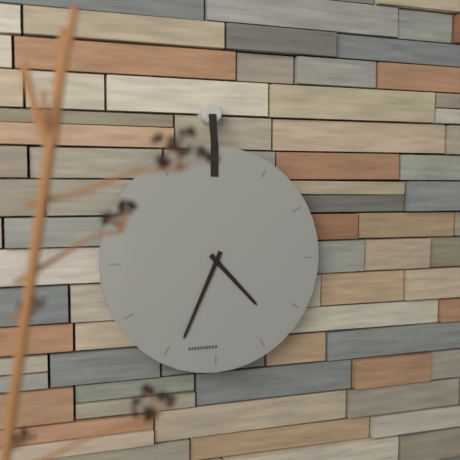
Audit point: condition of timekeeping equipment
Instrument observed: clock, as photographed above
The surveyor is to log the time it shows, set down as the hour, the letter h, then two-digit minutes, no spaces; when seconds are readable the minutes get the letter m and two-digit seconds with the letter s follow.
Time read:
4h34
